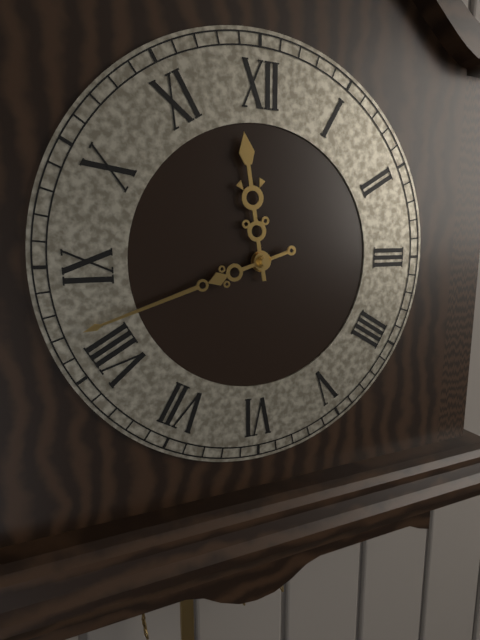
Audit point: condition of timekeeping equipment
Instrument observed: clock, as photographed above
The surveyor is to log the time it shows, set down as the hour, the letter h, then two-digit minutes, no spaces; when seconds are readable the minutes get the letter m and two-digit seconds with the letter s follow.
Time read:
11h42
